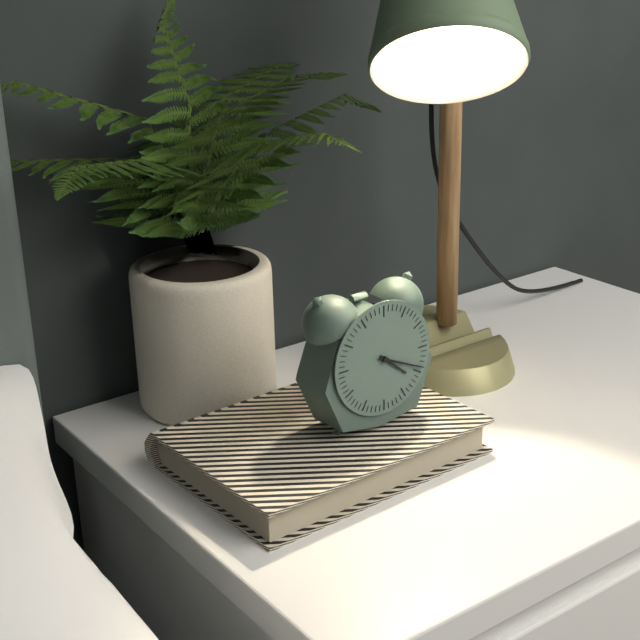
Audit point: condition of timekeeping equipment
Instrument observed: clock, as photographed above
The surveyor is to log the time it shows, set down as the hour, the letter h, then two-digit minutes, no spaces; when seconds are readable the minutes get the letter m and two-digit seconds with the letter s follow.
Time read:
4h19
